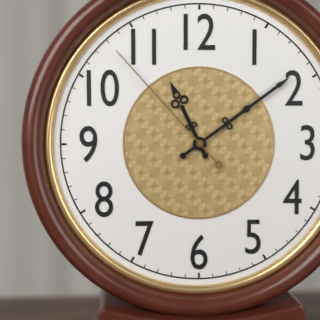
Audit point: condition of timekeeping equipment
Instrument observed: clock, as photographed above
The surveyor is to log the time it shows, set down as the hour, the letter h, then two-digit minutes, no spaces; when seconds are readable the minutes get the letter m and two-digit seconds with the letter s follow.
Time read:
11h09m53s
